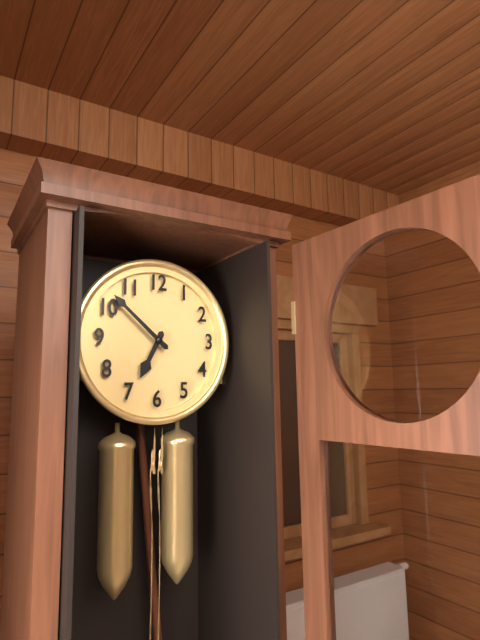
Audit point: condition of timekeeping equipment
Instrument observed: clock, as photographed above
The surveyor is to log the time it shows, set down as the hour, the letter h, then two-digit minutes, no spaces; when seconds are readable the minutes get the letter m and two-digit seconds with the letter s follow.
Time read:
6h52
